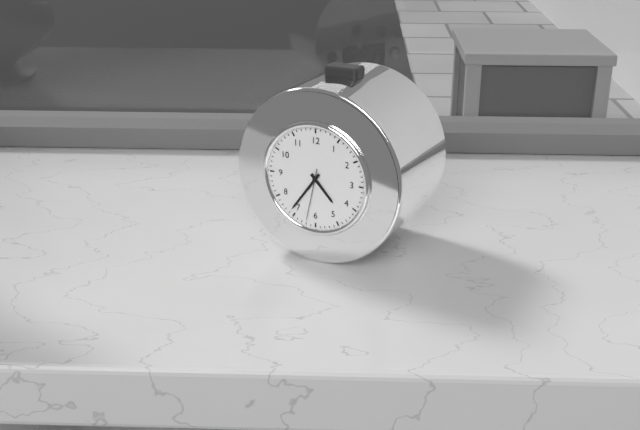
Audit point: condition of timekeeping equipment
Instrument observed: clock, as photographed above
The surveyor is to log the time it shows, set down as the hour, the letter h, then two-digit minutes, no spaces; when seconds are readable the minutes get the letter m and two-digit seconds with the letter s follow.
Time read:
4h36m32s
